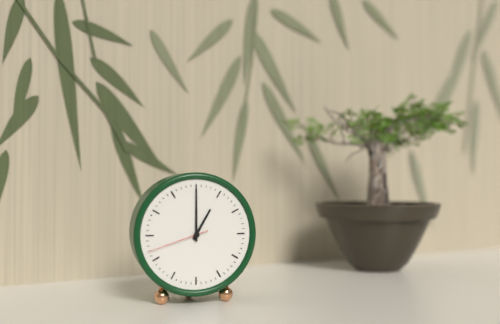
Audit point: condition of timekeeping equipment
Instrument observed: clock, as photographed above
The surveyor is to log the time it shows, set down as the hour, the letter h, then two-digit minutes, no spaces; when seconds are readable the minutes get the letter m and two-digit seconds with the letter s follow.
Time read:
1h00m42s
